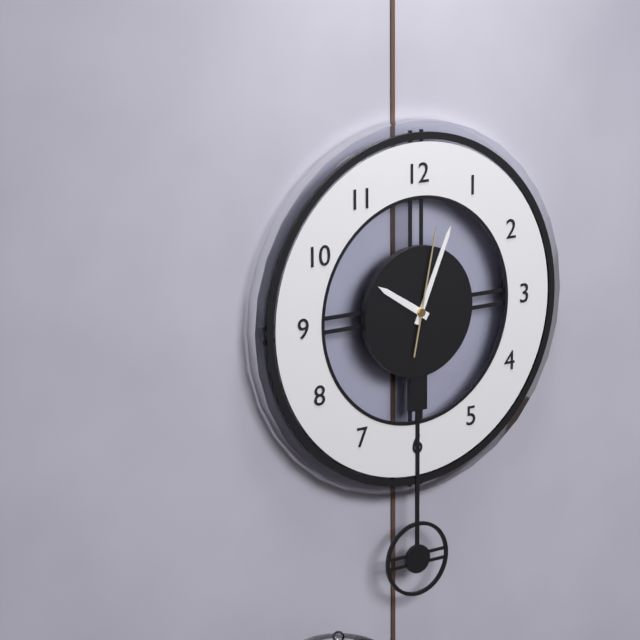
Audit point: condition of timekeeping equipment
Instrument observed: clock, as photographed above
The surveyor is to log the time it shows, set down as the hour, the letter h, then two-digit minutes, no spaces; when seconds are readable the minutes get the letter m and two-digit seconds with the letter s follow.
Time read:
10h04m02s
